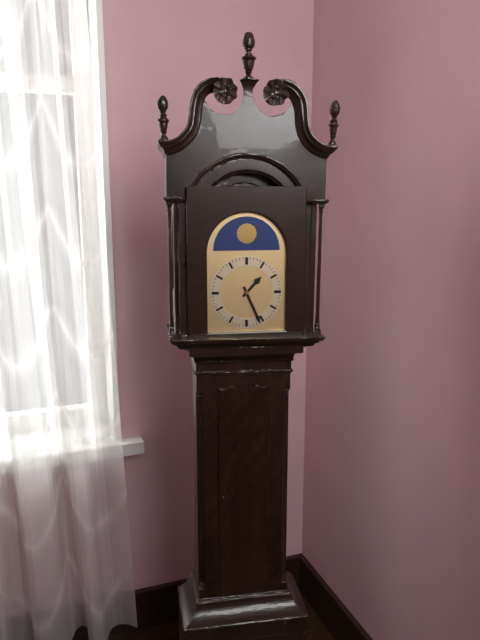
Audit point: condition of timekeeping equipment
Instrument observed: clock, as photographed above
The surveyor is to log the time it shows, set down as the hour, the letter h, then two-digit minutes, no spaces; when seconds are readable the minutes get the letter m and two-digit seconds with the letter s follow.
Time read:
1h26
